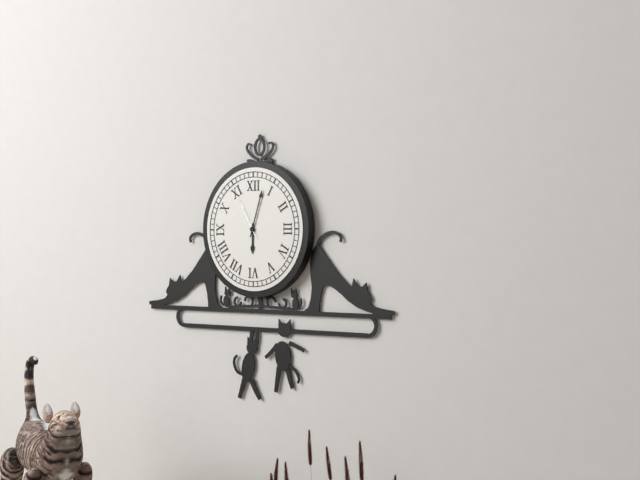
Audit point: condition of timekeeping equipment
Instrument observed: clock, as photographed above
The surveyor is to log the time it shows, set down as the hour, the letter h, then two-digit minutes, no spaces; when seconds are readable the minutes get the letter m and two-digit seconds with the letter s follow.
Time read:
6h03
